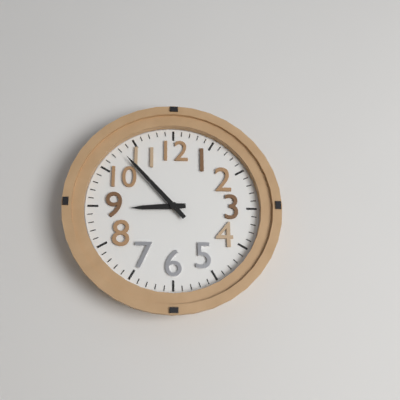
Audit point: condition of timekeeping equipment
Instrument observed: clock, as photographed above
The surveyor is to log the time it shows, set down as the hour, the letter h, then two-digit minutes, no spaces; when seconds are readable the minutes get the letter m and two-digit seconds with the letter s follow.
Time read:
8h53
